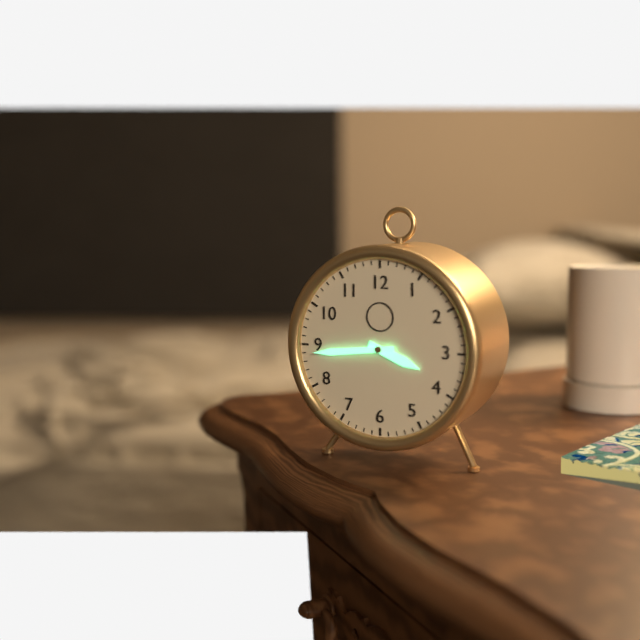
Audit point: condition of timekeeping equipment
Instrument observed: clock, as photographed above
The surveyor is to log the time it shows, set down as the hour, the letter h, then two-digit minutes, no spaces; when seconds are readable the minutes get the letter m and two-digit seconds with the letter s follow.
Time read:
3h44
